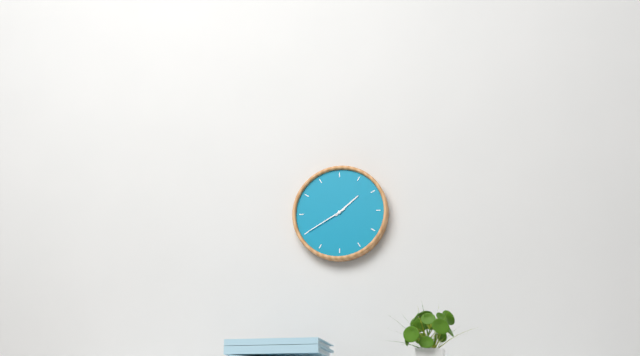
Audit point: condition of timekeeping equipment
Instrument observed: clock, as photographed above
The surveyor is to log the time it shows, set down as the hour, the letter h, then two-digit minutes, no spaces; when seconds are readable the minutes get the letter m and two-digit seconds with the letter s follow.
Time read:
1h40
